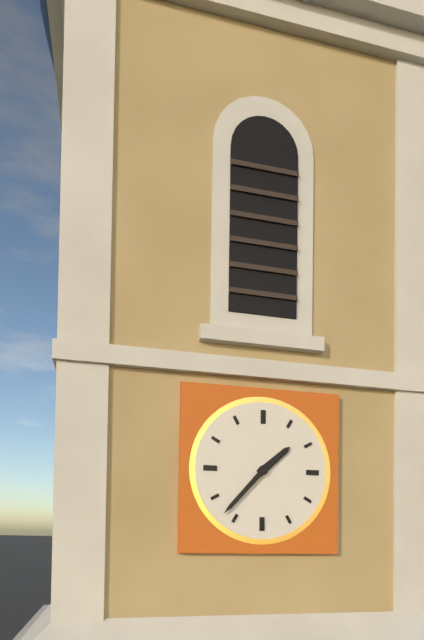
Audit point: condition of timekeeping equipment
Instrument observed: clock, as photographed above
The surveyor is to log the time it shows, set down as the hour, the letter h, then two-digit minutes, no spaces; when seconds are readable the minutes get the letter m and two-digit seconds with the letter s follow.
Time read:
1h37
